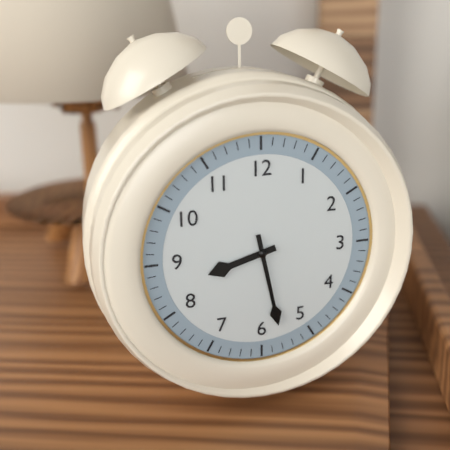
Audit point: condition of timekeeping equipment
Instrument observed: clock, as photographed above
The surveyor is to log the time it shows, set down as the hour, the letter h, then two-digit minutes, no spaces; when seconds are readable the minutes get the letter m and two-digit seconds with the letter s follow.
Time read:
8h28
